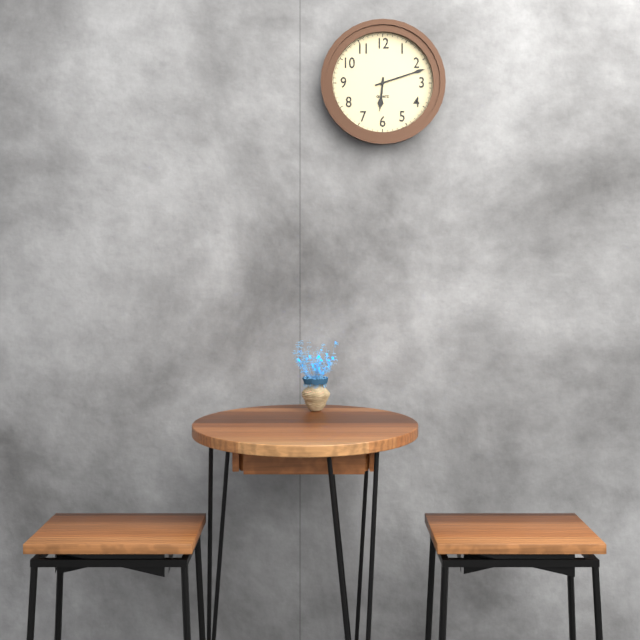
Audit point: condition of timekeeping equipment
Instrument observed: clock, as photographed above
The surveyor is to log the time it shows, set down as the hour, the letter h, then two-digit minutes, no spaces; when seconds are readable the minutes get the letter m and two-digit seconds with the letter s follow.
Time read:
6h12
